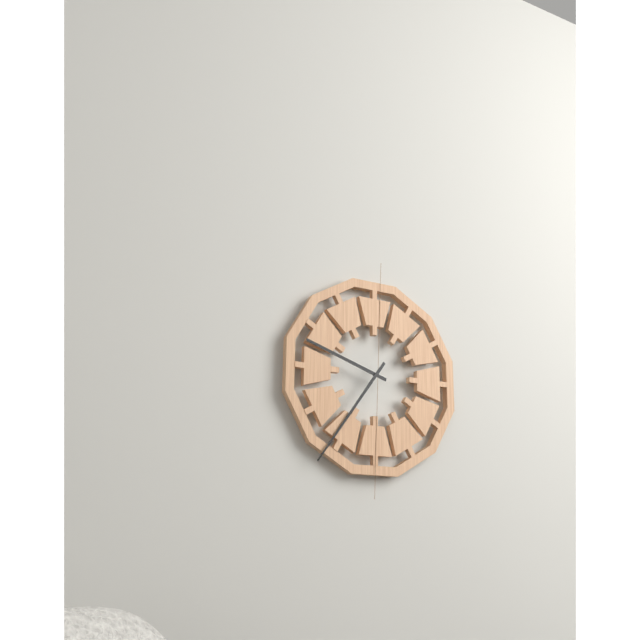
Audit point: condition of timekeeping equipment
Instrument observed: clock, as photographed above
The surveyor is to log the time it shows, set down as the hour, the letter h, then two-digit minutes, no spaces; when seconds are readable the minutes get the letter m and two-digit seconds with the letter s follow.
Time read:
9h36
